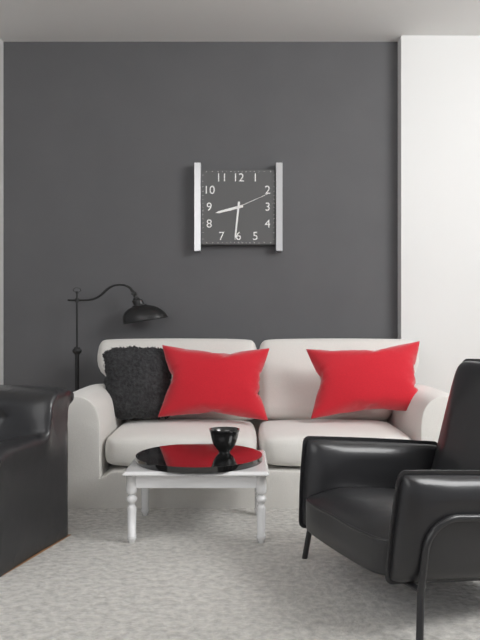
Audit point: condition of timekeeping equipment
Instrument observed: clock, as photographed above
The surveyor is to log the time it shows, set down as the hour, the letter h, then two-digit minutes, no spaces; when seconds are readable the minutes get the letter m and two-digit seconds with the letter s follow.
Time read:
8h31
